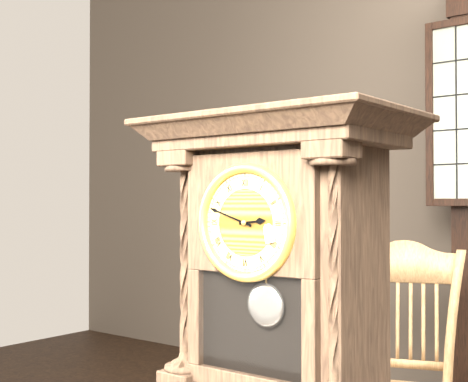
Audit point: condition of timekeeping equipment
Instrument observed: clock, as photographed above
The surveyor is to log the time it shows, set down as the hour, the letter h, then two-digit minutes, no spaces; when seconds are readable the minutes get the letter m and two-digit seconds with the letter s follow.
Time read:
2h48
